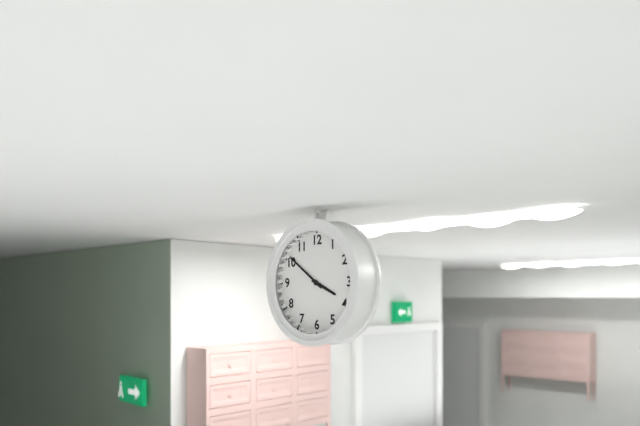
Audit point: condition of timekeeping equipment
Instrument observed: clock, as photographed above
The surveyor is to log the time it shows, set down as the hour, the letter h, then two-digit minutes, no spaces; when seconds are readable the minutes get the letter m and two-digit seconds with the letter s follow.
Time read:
3h51
